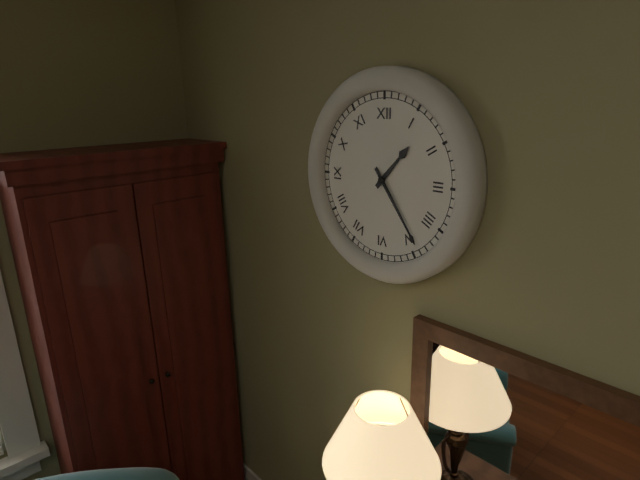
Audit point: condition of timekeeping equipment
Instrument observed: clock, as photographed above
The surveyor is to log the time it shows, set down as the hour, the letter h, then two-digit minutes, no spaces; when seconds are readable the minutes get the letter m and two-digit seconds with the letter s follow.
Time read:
1h24
